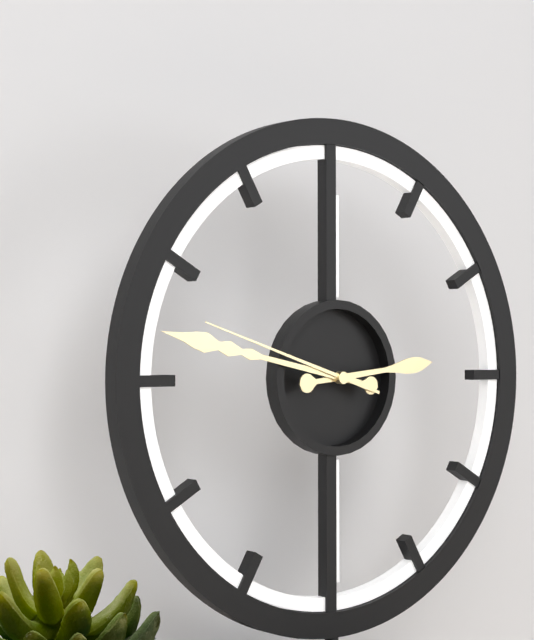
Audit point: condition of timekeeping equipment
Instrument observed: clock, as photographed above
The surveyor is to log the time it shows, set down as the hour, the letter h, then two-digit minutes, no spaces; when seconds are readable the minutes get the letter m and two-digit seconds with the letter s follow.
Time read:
2h47m48s
